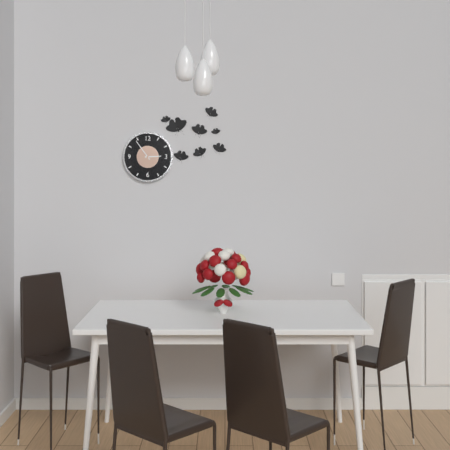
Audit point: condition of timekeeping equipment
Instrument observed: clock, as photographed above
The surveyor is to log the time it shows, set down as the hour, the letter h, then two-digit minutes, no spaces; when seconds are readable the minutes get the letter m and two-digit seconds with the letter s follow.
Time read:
2h54
